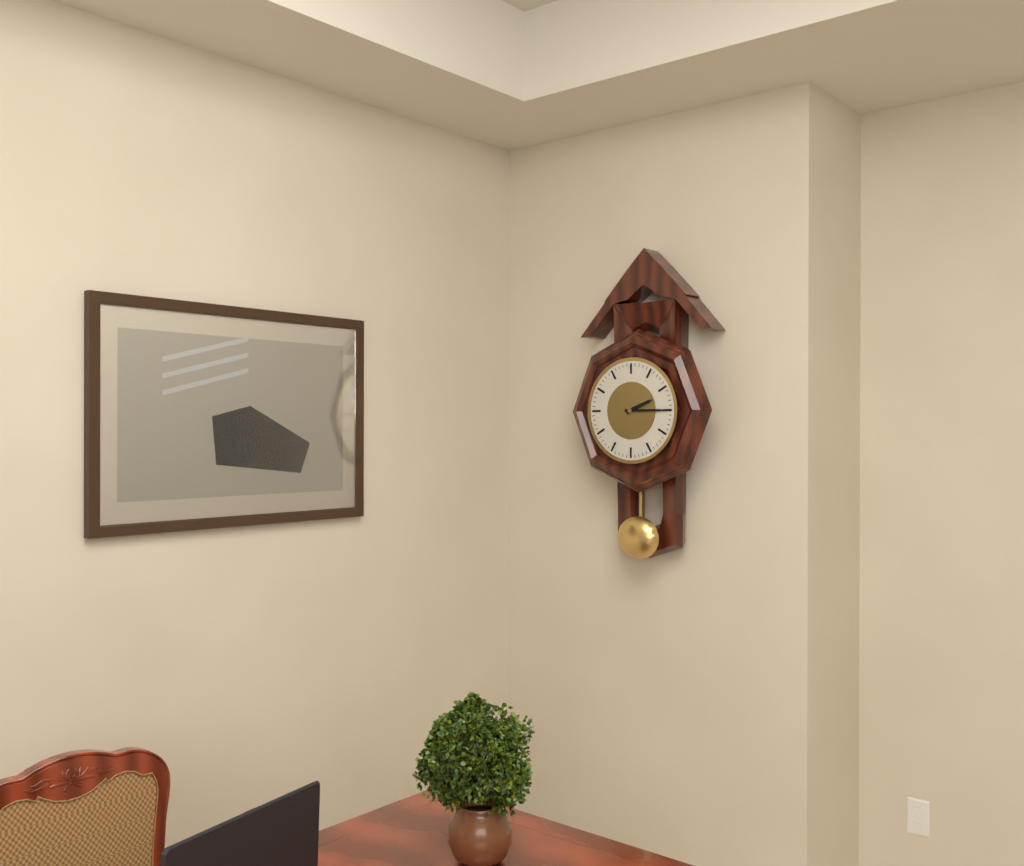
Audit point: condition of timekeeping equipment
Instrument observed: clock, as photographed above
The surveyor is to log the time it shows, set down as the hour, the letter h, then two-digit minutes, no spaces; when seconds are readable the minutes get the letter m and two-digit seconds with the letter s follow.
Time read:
2h15
